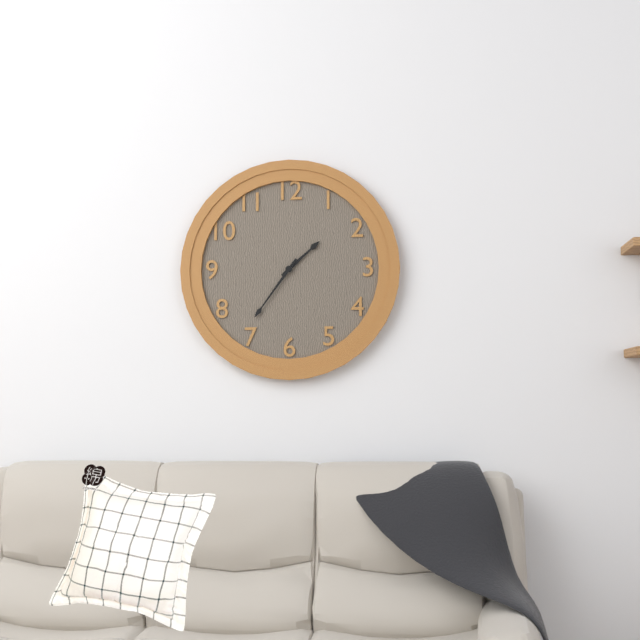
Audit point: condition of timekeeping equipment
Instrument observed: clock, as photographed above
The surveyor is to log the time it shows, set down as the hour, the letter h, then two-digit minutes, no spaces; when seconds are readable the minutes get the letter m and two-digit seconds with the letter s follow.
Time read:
1h36
